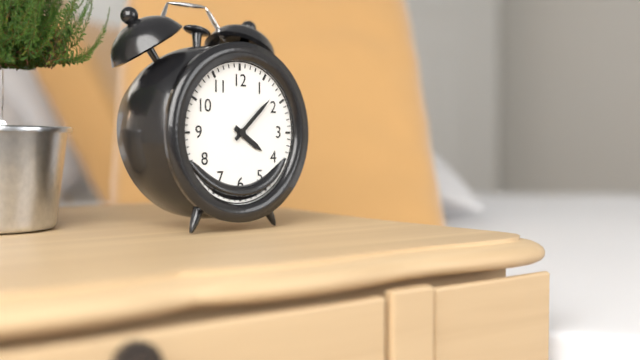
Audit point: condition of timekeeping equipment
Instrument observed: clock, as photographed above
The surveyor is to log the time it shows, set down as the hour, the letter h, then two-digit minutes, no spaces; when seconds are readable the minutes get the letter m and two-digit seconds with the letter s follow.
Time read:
4h08
